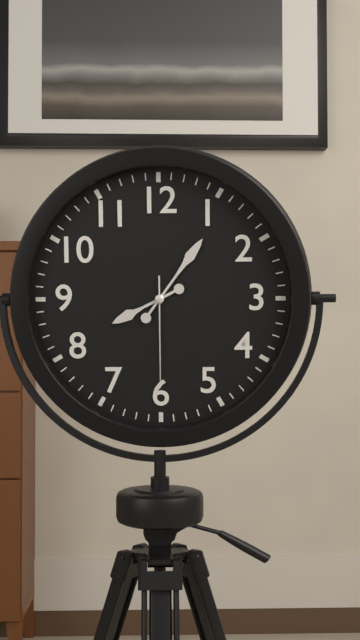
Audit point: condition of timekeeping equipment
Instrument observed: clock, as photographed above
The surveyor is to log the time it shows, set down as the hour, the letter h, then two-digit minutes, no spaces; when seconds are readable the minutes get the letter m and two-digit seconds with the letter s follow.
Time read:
8h06m30s
